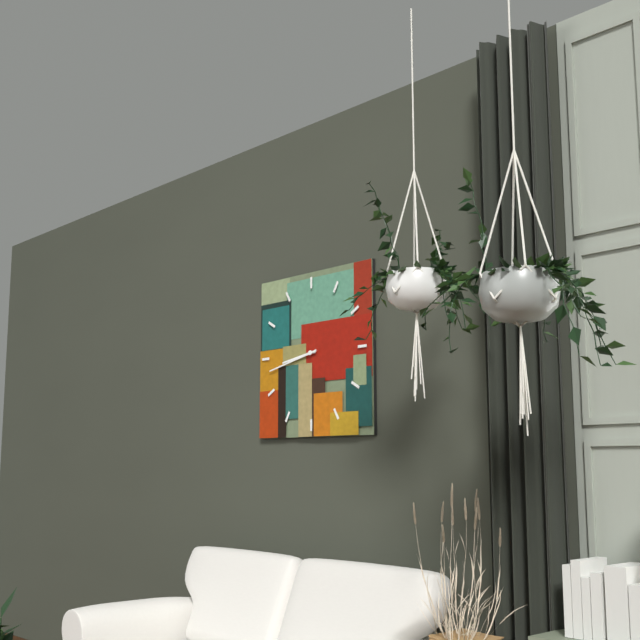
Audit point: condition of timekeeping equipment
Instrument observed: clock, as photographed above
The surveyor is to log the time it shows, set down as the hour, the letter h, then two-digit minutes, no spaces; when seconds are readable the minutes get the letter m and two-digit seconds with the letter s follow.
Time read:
8h43
